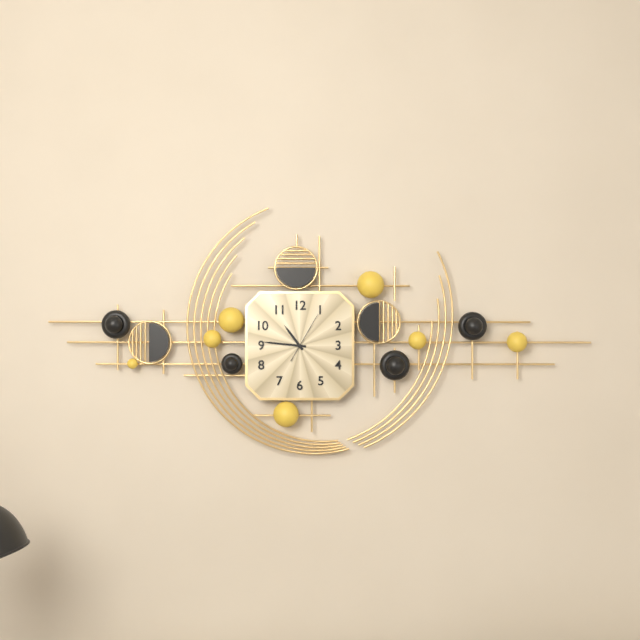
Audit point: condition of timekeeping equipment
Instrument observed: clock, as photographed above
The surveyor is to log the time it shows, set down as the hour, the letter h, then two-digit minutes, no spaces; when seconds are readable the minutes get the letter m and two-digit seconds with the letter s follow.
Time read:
10h46
